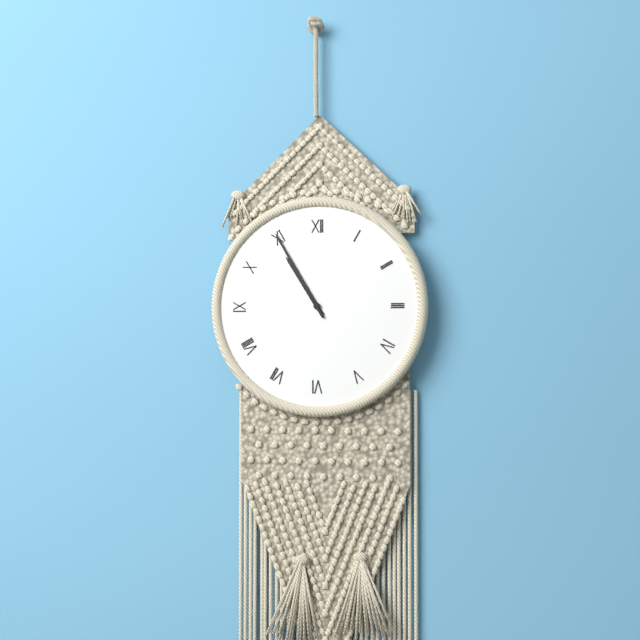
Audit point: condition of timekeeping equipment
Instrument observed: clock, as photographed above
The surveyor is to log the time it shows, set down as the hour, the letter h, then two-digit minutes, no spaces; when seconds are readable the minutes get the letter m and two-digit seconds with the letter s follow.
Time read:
10h55
